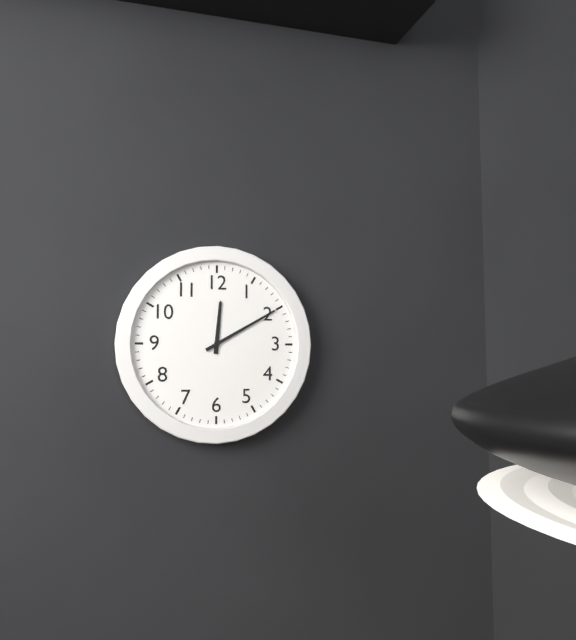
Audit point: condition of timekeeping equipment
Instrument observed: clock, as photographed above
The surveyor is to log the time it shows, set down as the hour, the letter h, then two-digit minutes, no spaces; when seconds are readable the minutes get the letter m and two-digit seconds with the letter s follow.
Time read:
12h10
